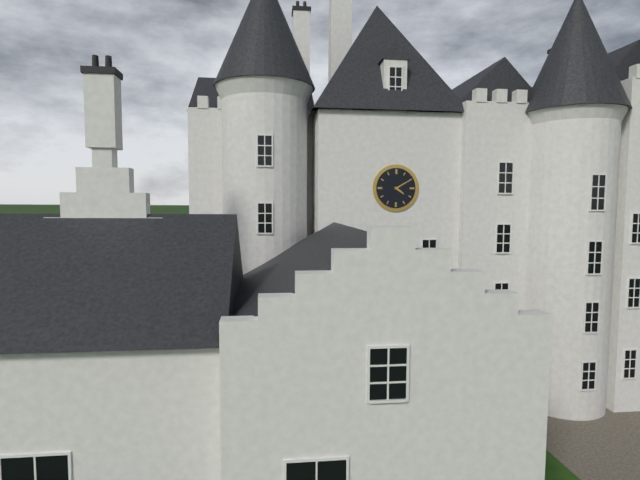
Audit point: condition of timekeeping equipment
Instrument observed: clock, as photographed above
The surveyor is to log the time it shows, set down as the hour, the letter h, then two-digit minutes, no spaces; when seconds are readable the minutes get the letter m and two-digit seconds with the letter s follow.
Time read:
4h10
